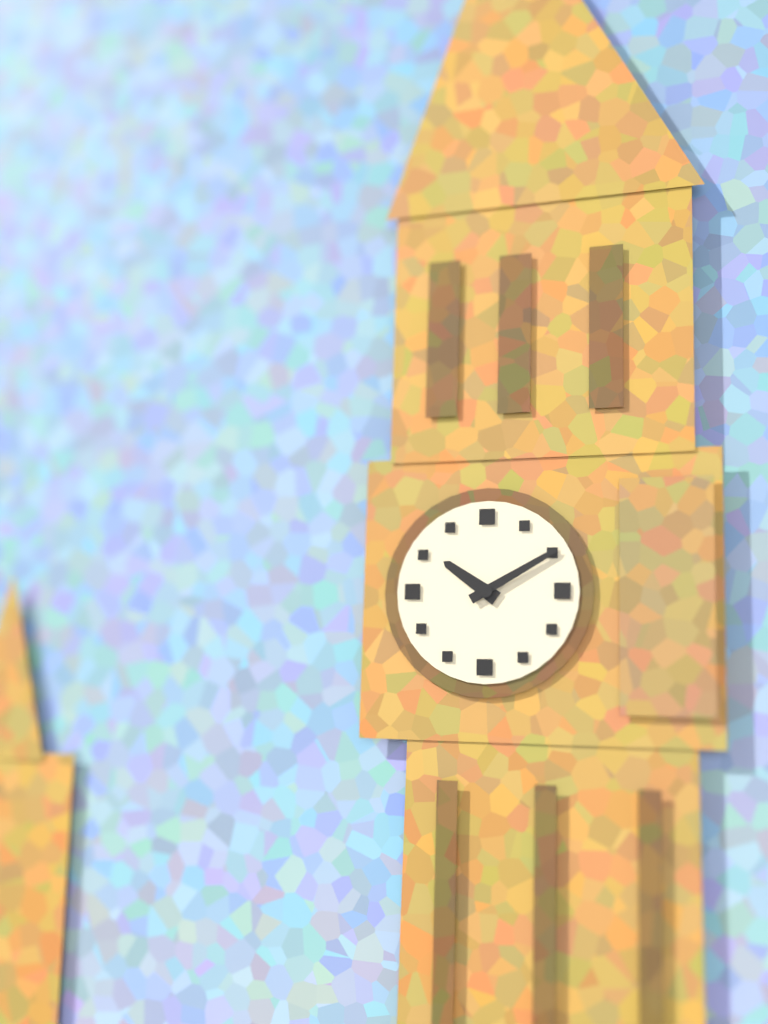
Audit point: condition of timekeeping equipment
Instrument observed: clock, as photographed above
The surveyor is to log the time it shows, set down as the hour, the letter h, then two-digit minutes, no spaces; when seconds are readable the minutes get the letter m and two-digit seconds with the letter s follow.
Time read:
10h10
